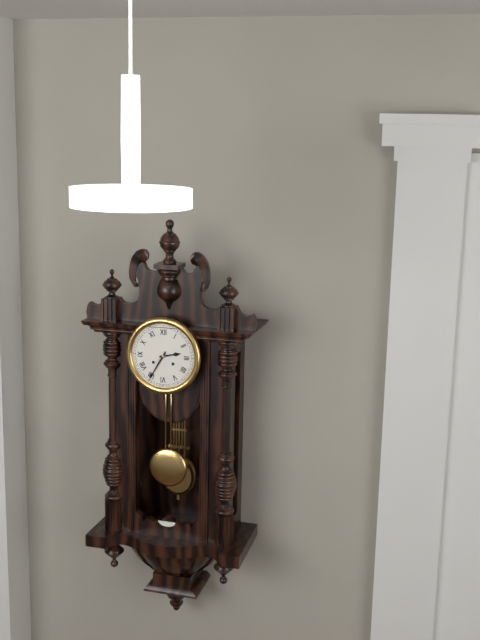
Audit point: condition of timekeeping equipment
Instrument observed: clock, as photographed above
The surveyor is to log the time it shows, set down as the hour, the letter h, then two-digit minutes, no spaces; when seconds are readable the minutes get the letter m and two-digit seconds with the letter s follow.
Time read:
2h35
